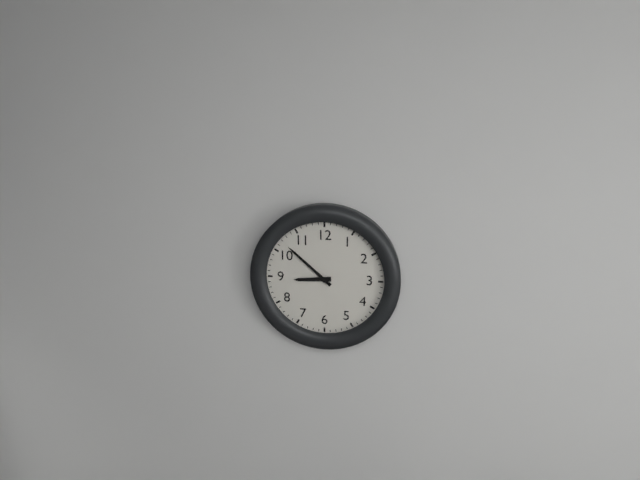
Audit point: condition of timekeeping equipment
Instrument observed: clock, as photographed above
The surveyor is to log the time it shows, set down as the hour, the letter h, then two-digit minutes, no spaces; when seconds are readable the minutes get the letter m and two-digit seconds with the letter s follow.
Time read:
8h52
